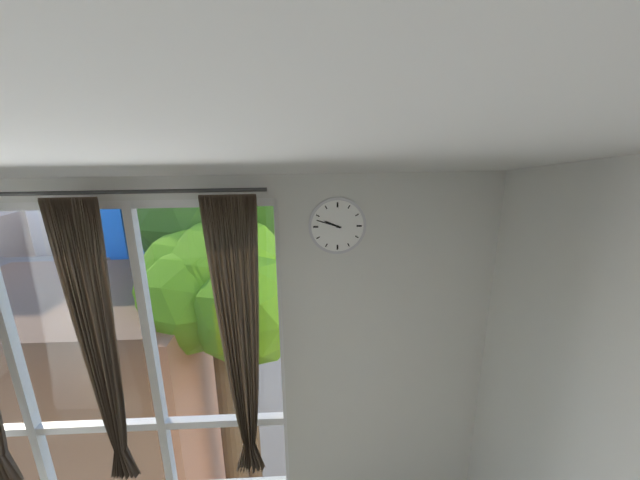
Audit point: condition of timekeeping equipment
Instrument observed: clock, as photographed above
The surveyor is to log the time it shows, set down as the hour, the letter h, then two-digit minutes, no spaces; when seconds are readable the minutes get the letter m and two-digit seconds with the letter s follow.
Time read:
9h48
